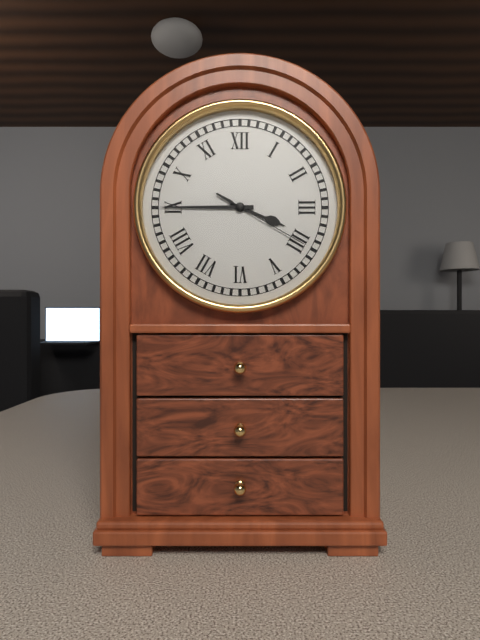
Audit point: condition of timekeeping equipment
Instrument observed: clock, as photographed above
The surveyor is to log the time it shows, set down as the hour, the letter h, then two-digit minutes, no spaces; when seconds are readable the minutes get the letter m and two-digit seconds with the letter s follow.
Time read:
3h45m20s
